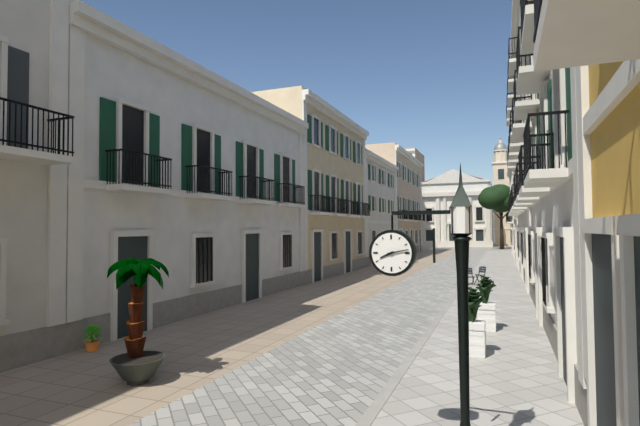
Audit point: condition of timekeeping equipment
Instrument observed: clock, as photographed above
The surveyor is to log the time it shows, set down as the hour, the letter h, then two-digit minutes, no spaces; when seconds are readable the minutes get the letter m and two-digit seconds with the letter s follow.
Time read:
8h13
